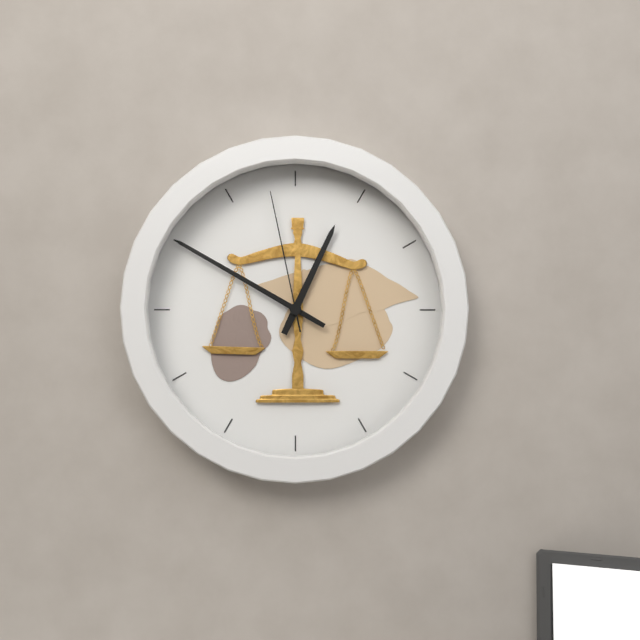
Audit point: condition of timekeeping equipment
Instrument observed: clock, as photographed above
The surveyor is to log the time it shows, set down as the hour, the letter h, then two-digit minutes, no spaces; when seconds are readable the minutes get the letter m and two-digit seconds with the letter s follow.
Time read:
12h50m58s
